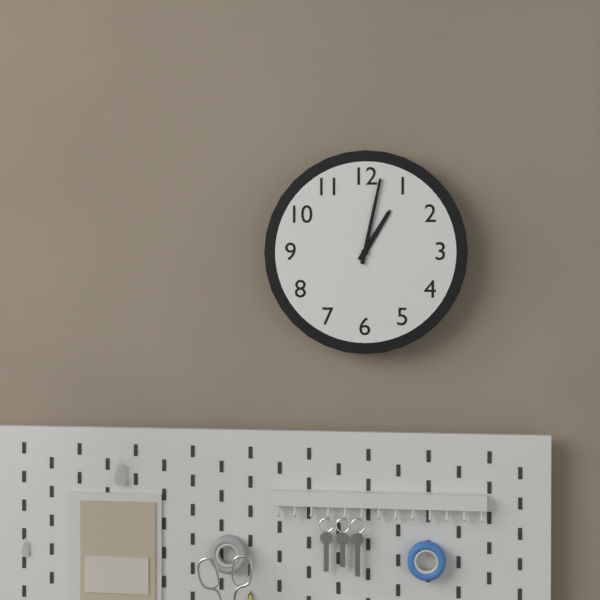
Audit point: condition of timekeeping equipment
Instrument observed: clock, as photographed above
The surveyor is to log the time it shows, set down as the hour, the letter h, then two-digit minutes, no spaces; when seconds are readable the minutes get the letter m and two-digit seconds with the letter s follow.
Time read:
1h02
